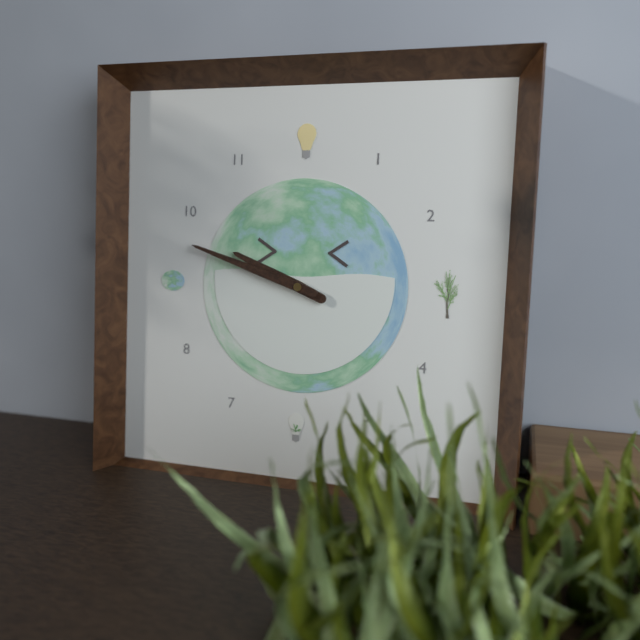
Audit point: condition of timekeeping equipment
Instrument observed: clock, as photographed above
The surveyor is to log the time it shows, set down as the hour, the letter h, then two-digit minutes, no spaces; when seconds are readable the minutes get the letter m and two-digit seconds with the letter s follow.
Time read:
9h48
